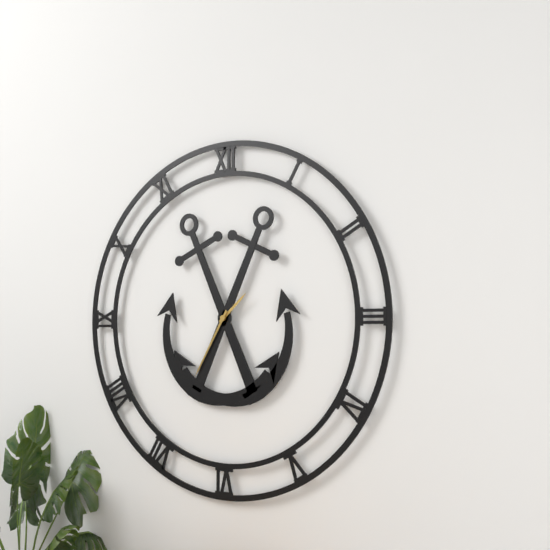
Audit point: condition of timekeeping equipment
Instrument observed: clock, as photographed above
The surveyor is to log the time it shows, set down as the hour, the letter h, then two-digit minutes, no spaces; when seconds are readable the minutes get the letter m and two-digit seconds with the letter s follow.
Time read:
1h35
